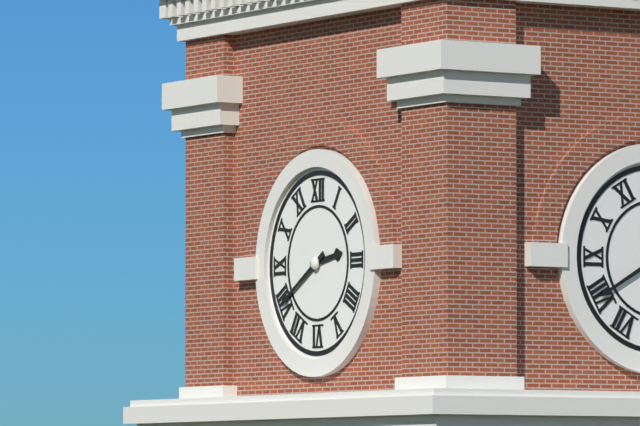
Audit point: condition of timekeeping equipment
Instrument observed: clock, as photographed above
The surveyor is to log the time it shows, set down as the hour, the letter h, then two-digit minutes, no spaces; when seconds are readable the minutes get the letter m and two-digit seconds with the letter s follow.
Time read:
2h40
